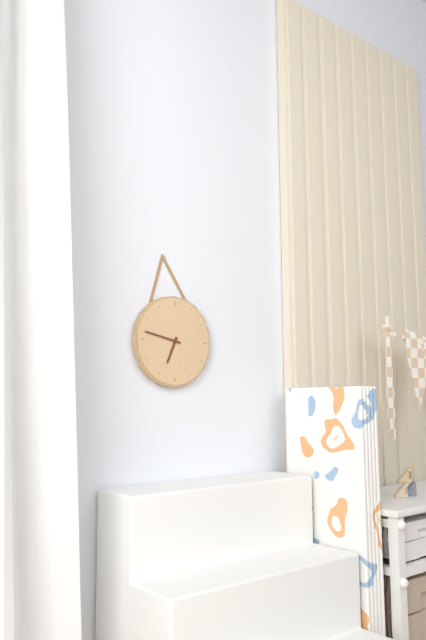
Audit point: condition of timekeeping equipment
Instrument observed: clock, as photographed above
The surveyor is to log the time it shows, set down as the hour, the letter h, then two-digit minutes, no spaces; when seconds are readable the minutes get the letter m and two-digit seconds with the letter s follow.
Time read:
6h47
